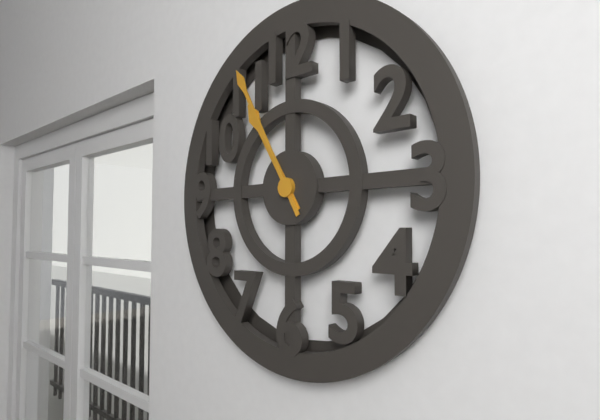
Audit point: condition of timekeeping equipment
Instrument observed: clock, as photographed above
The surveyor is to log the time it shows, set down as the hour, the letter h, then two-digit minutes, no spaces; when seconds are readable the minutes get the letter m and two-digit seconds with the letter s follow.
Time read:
10h55
